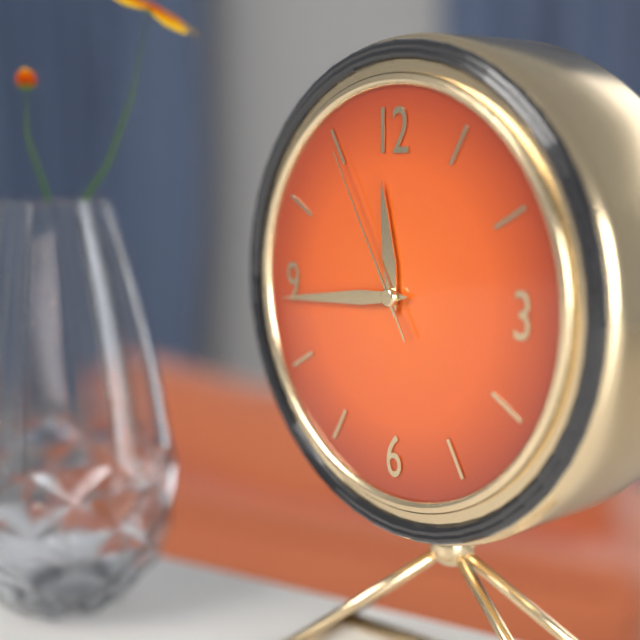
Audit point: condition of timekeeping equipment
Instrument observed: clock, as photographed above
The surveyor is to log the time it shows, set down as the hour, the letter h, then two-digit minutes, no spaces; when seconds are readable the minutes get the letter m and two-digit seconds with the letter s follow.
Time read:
11h44m55s
